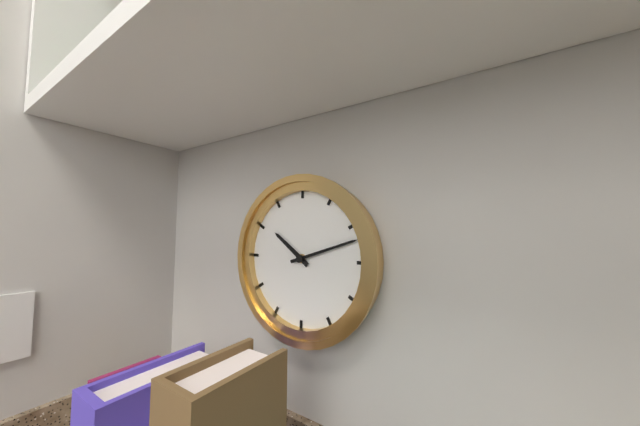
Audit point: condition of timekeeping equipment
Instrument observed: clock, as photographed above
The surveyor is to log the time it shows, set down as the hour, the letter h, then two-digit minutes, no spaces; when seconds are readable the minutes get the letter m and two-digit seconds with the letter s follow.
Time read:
10h12
